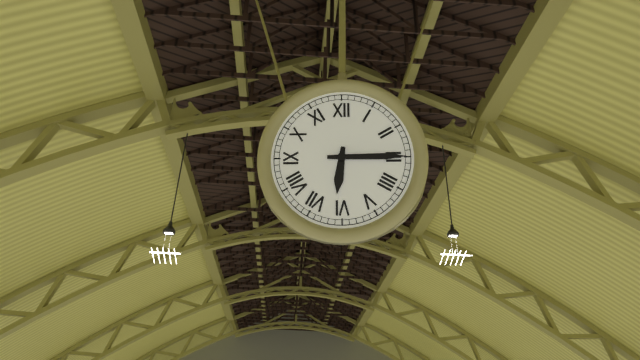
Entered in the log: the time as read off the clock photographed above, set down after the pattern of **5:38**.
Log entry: **6:15**
